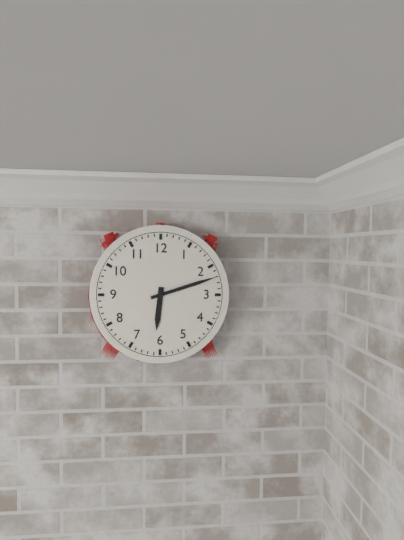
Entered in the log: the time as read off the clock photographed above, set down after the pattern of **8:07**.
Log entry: **6:12**
